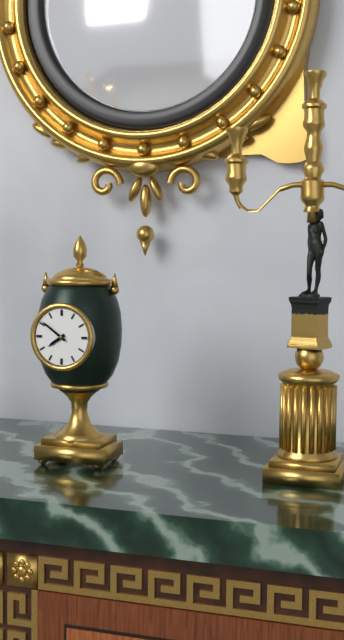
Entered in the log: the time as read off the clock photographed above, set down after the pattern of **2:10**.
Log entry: **7:51**
